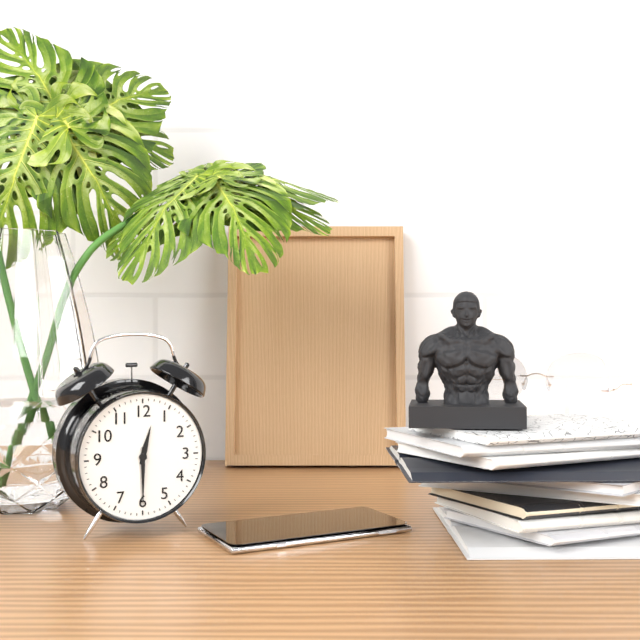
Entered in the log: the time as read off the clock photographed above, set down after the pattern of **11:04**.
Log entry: **12:30**
